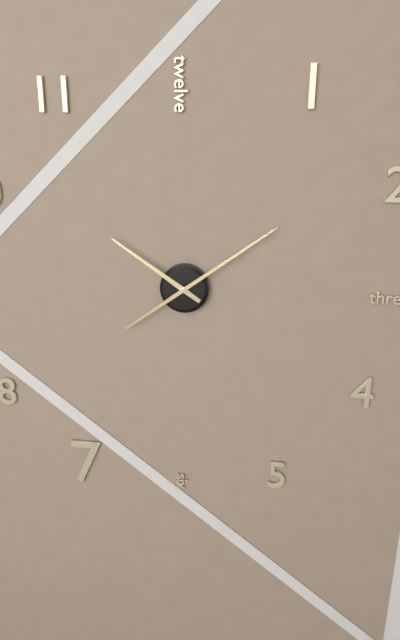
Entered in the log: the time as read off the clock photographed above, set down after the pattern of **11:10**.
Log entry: **10:09**
